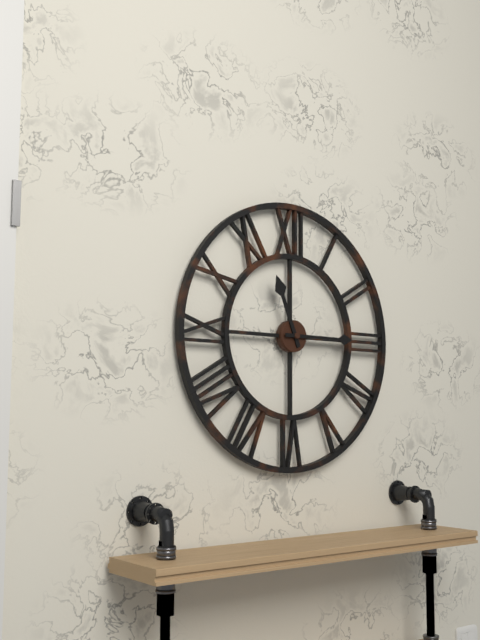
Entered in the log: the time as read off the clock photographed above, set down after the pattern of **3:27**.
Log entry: **11:15**
